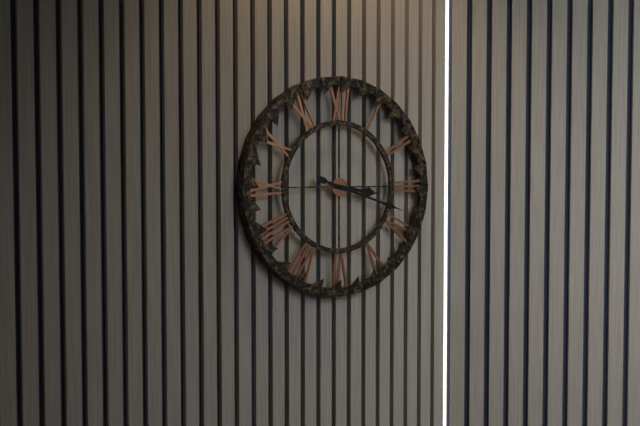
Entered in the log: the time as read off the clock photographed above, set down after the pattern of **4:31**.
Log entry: **3:18**
